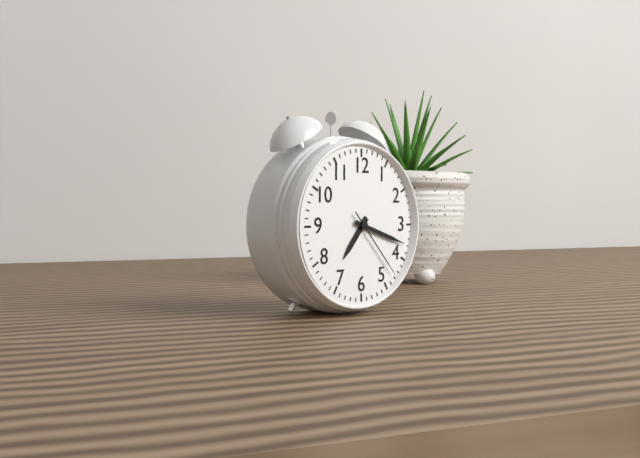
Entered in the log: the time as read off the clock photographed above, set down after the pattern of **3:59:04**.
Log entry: **7:18:23**
